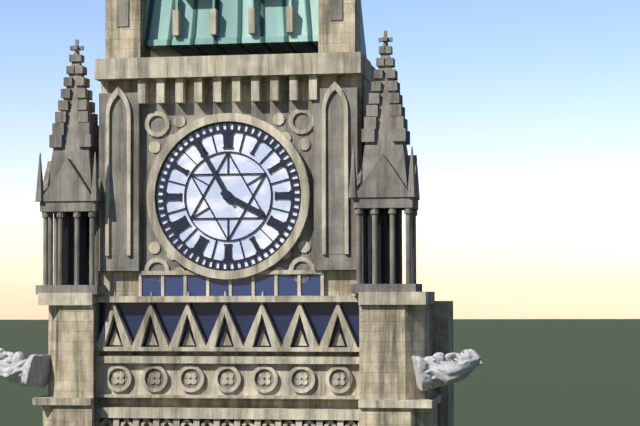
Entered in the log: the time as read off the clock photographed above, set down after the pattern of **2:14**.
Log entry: **3:55**
